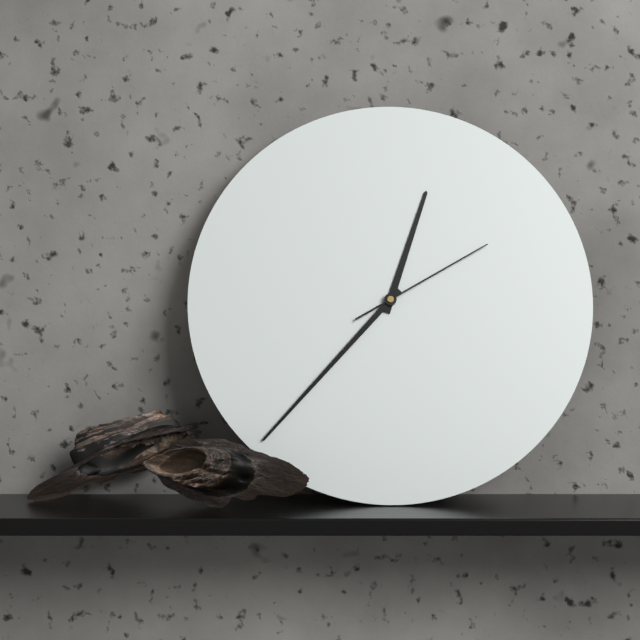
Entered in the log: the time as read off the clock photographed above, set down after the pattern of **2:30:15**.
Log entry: **12:37:10**
